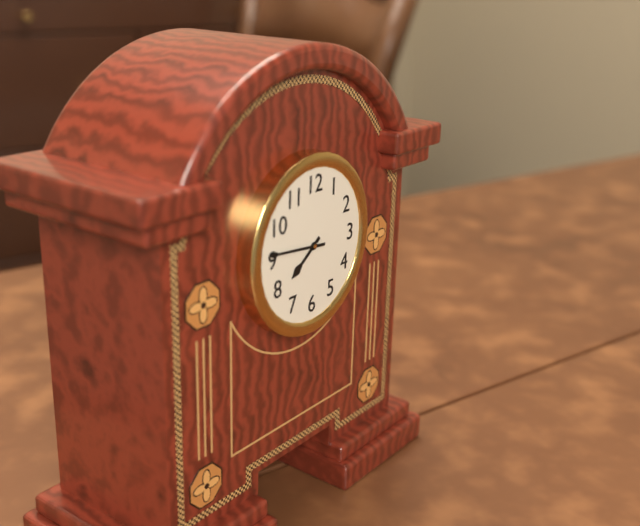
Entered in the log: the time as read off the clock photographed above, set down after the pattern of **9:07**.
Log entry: **7:46**
